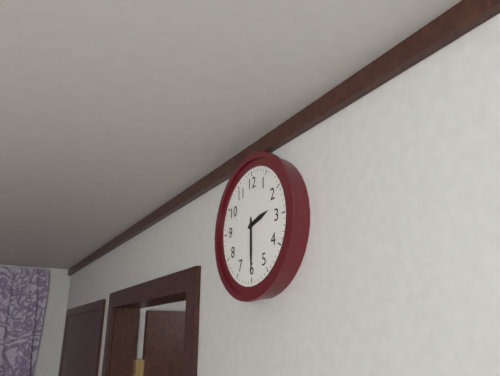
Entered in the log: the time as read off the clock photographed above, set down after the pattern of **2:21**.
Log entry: **2:30**
